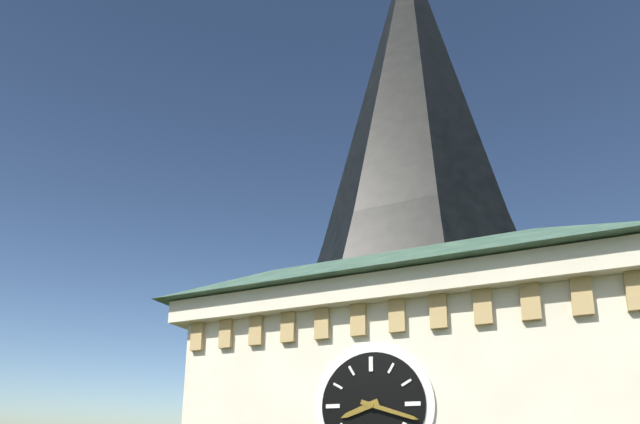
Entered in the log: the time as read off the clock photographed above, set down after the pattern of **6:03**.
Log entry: **8:18**
